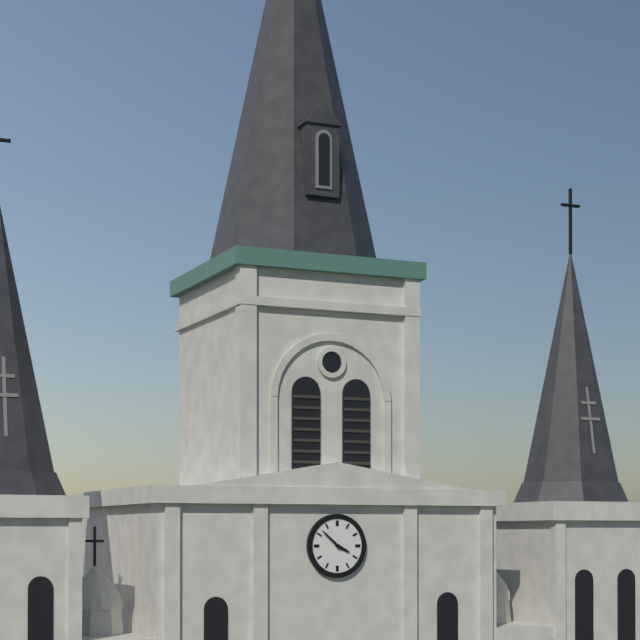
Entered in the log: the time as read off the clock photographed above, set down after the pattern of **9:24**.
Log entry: **3:52**
